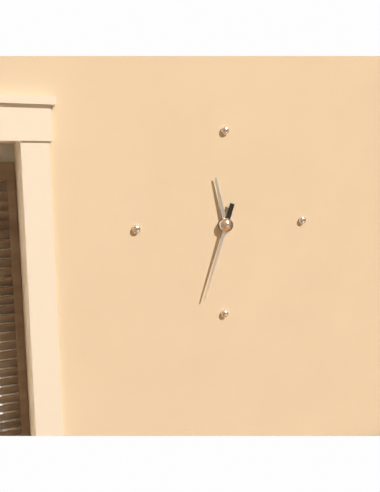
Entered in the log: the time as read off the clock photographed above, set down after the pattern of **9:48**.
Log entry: **11:33**
